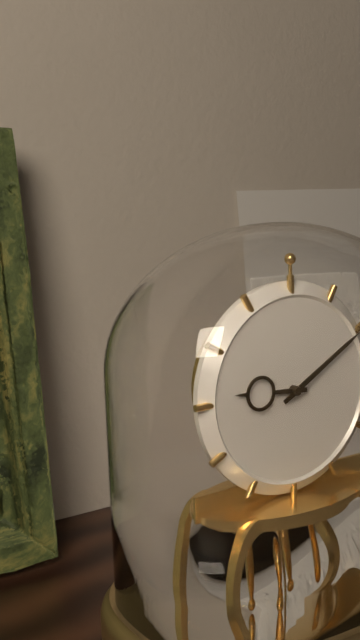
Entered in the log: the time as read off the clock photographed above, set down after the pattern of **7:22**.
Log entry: **9:10**
